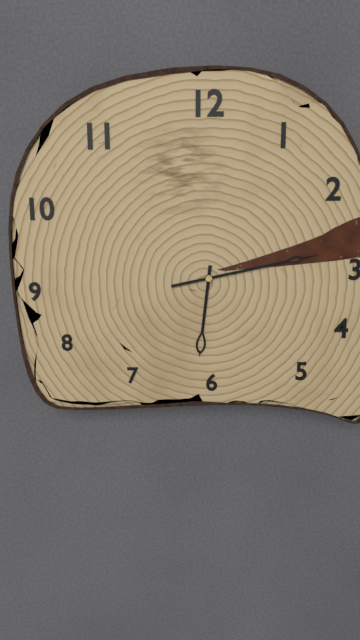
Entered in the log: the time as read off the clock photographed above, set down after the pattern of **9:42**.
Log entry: **6:13**
